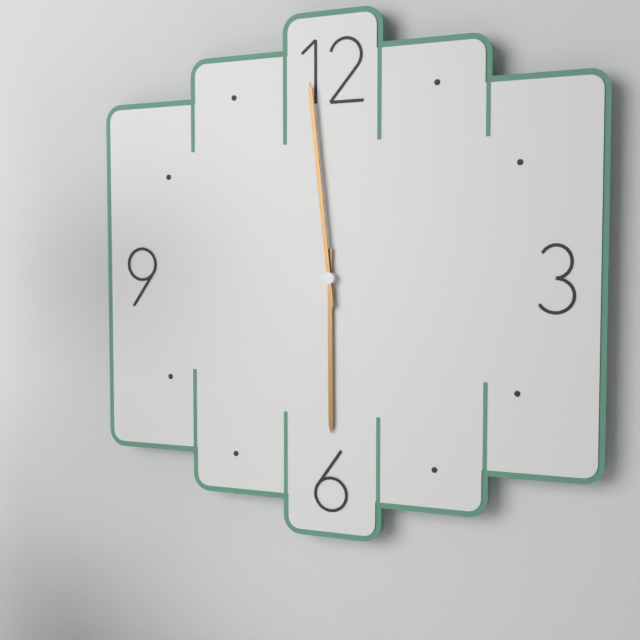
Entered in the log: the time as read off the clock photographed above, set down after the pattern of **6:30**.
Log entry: **5:59**
